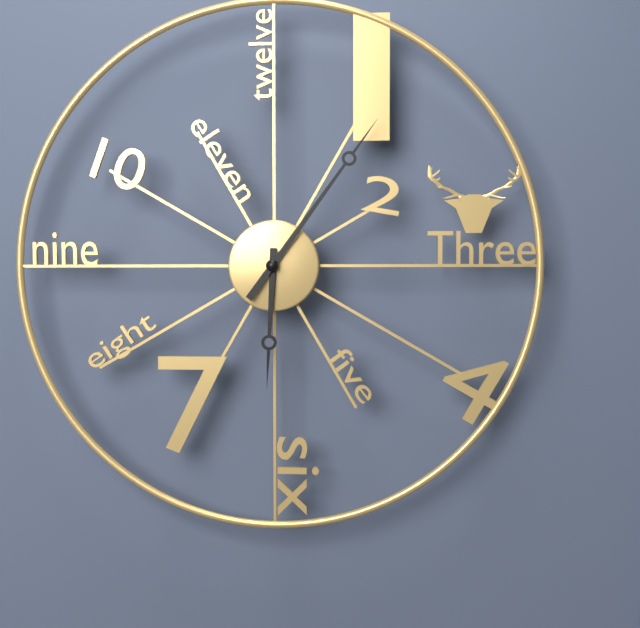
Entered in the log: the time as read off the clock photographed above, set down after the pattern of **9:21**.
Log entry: **6:06**
